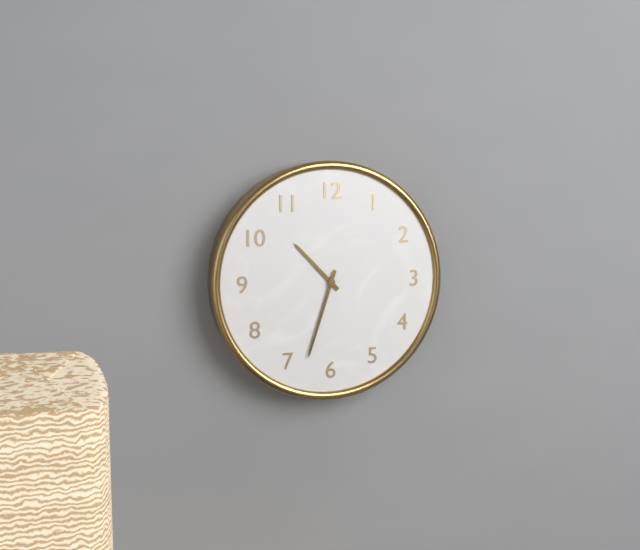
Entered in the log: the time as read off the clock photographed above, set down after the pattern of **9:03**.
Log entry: **10:33**
